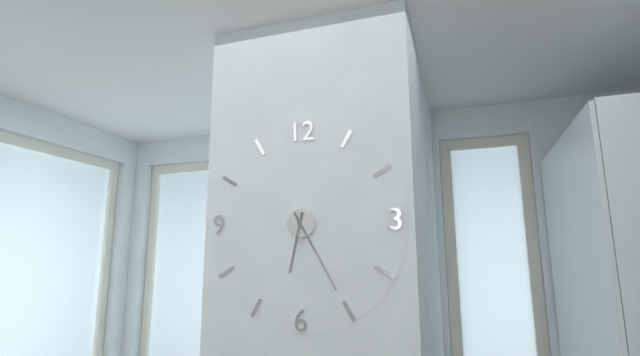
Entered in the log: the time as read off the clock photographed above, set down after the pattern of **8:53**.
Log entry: **6:25**
